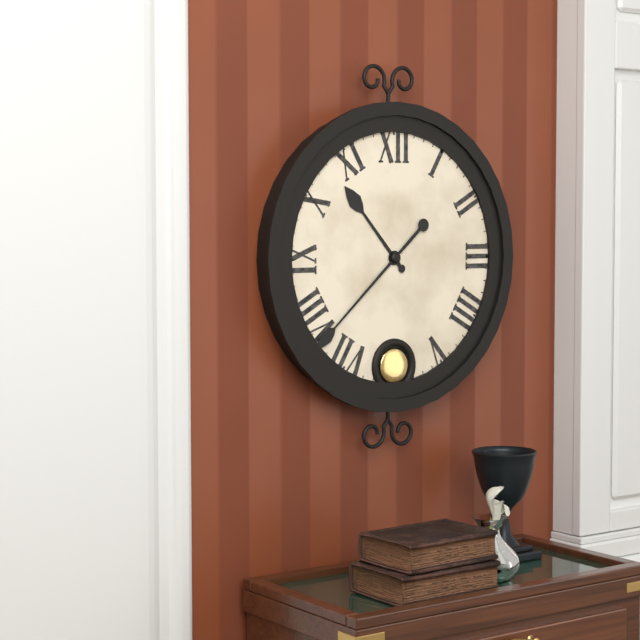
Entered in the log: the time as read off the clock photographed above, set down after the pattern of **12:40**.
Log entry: **10:38**
